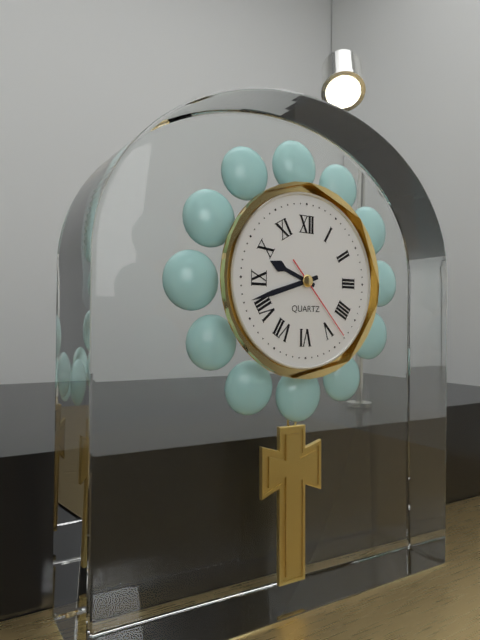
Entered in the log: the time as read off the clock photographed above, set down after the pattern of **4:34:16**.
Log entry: **9:42:23**
